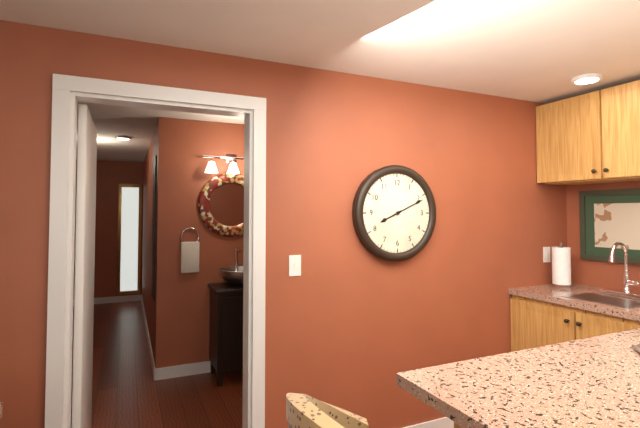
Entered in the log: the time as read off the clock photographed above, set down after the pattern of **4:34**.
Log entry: **8:11**
